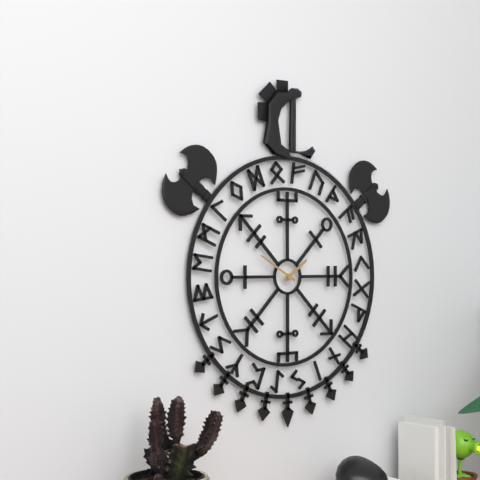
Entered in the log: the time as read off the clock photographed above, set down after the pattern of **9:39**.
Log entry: **1:50**
